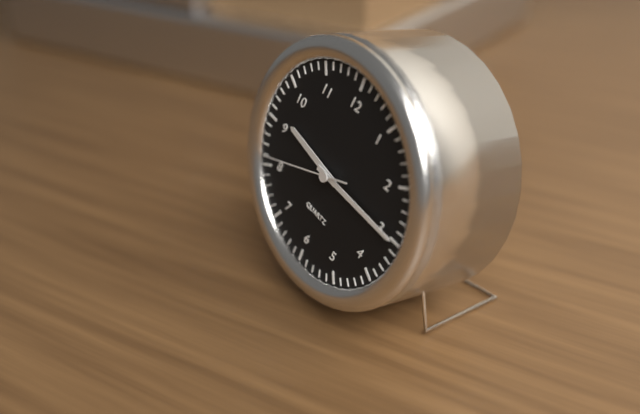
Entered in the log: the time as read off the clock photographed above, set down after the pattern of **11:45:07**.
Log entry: **9:15:41**
